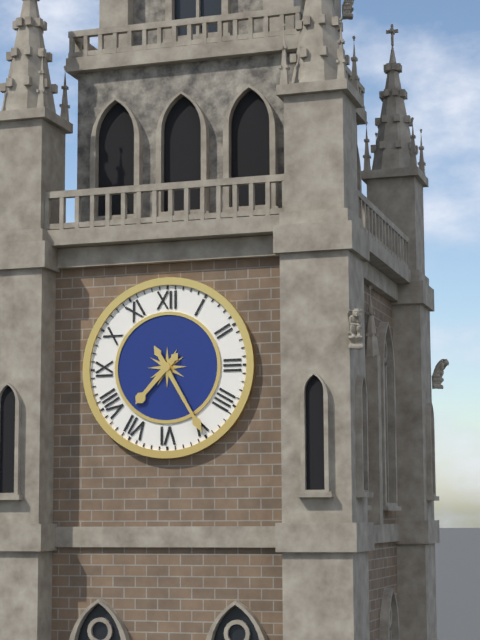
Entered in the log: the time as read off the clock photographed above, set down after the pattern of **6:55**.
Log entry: **7:25**
